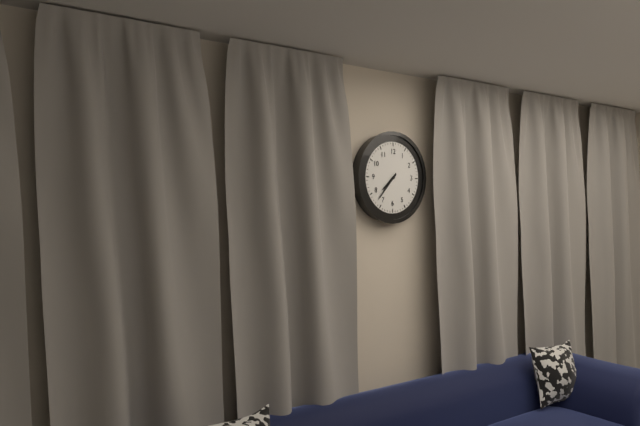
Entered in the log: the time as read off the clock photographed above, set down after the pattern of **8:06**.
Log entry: **7:37**
